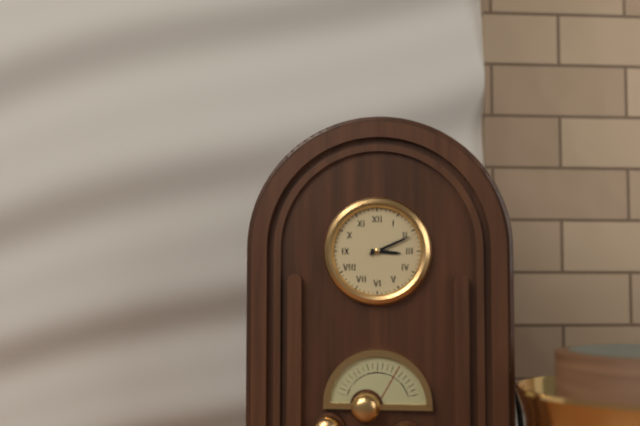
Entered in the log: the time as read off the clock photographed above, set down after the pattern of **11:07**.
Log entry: **3:11**
